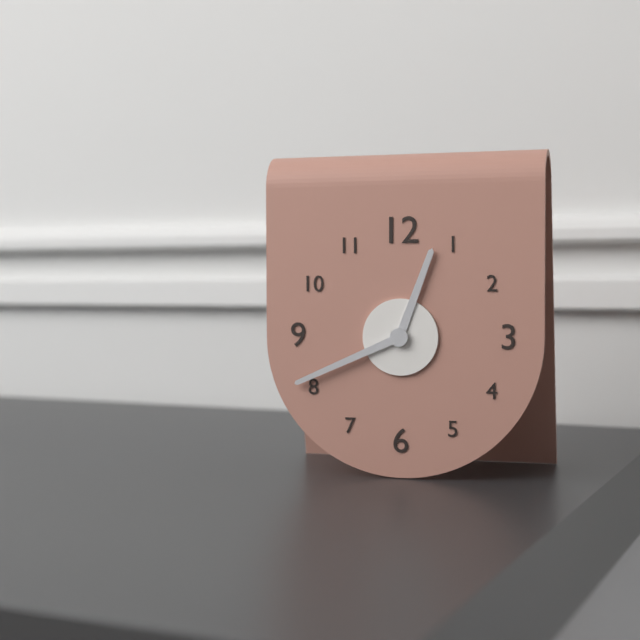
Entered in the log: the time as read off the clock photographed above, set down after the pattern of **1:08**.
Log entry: **12:41**
